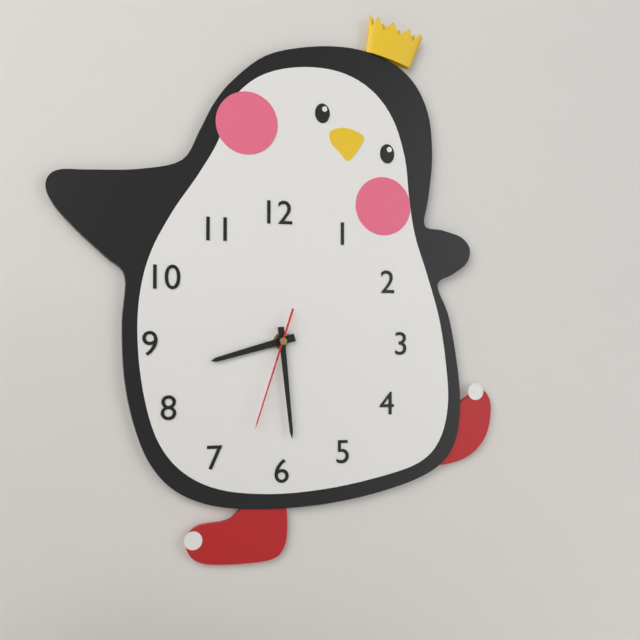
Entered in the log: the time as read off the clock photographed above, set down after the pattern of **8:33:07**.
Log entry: **8:29:33**
